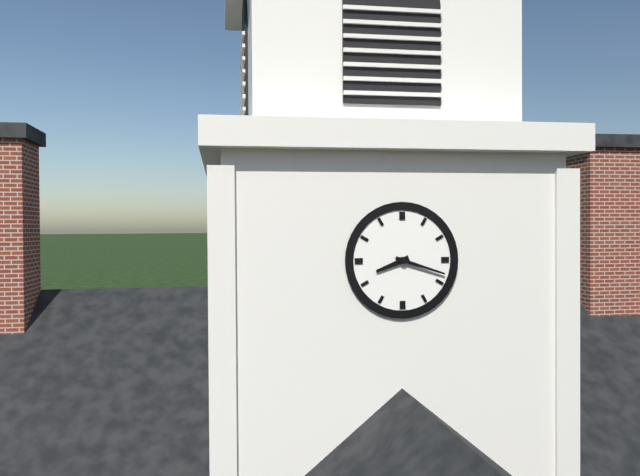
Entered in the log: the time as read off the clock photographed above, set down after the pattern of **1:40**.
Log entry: **8:18**
